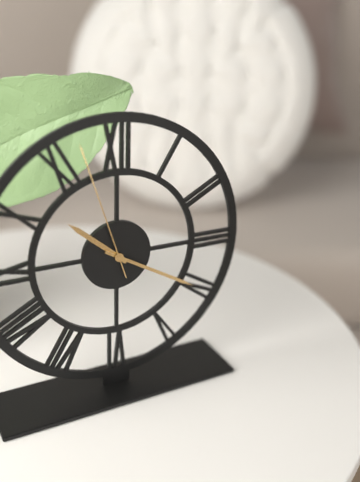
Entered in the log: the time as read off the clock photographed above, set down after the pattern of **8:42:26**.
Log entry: **10:20:57**
